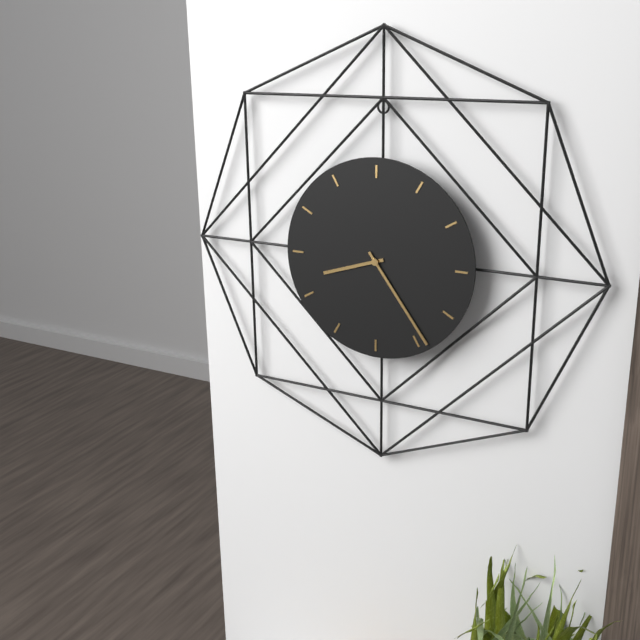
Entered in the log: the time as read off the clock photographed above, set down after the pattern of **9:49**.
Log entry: **8:24**
